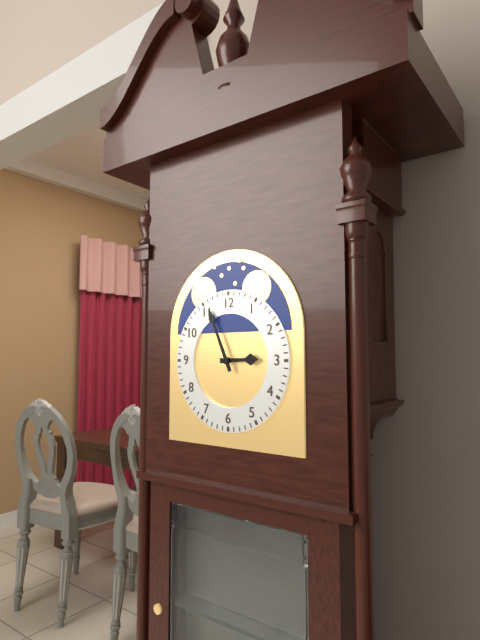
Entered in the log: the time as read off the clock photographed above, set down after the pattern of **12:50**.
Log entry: **2:56**
